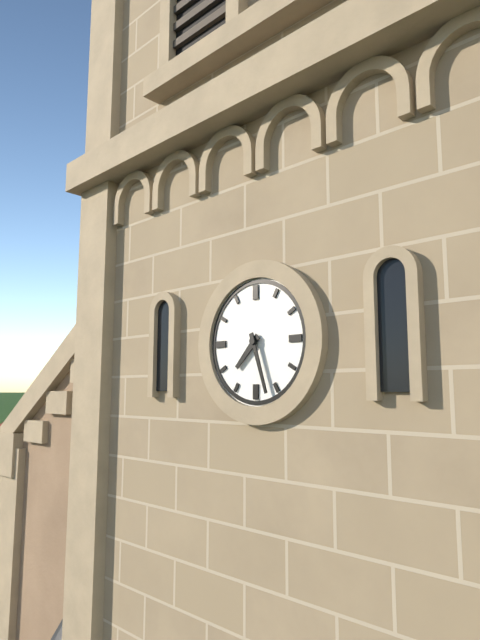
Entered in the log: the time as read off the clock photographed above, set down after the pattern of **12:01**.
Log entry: **7:27**
